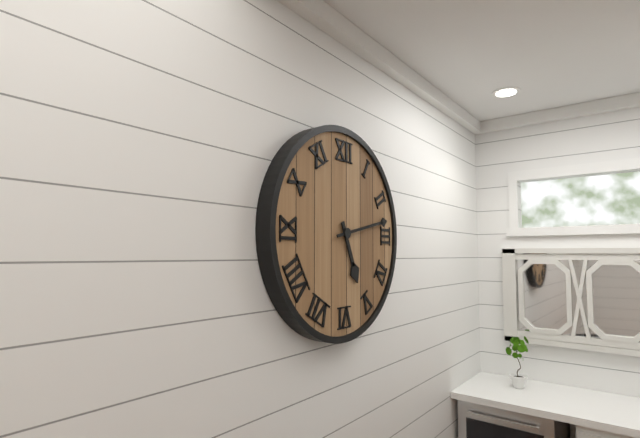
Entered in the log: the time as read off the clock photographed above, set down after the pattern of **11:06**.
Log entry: **5:13**
